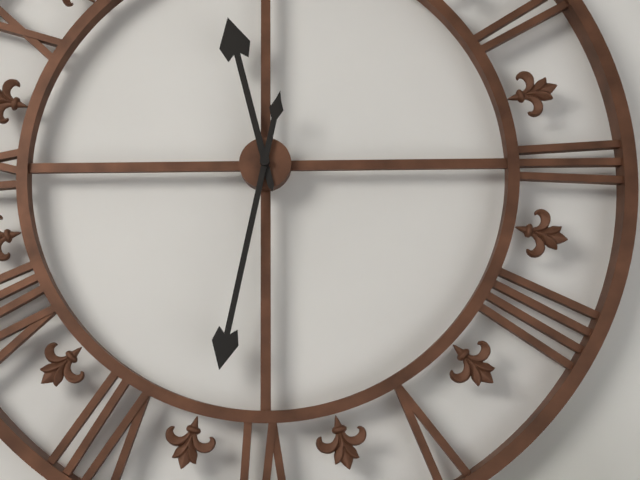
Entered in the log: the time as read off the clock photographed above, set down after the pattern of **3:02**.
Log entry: **11:32**
